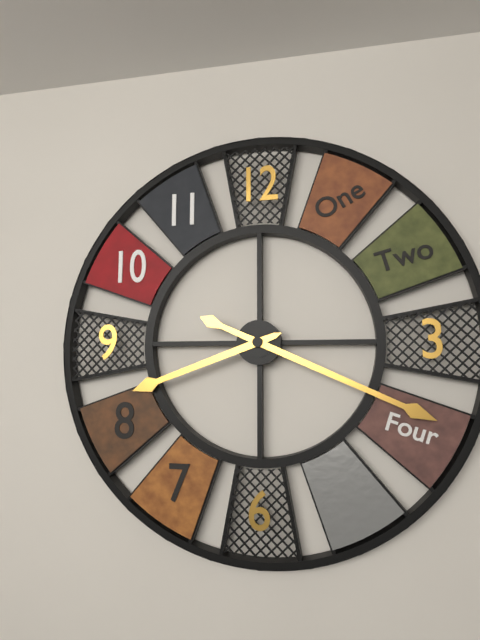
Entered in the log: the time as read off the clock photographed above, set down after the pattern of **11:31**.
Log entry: **8:19**
